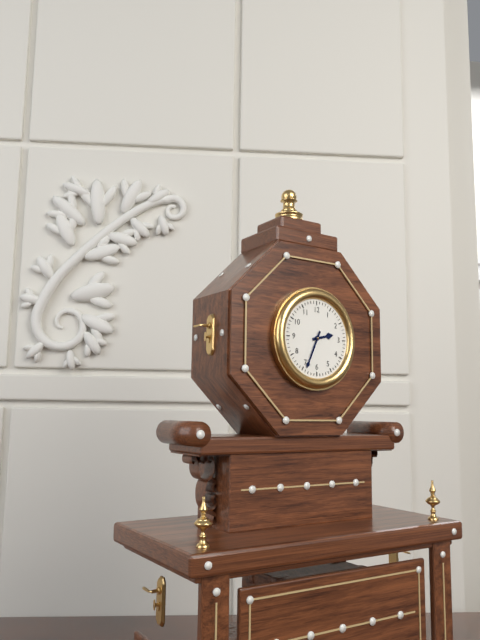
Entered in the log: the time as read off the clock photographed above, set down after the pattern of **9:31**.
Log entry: **2:34**
